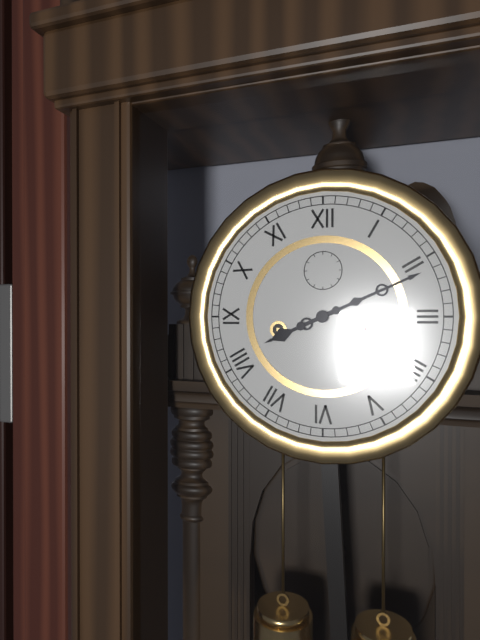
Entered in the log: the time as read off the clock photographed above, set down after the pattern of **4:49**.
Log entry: **8:11**
